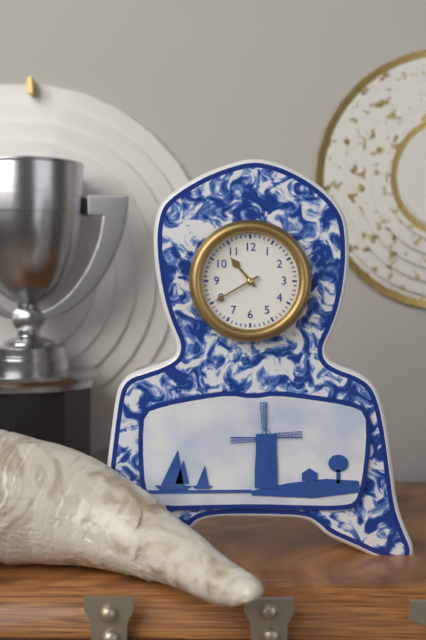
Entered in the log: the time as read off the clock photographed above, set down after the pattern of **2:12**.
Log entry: **10:40**
